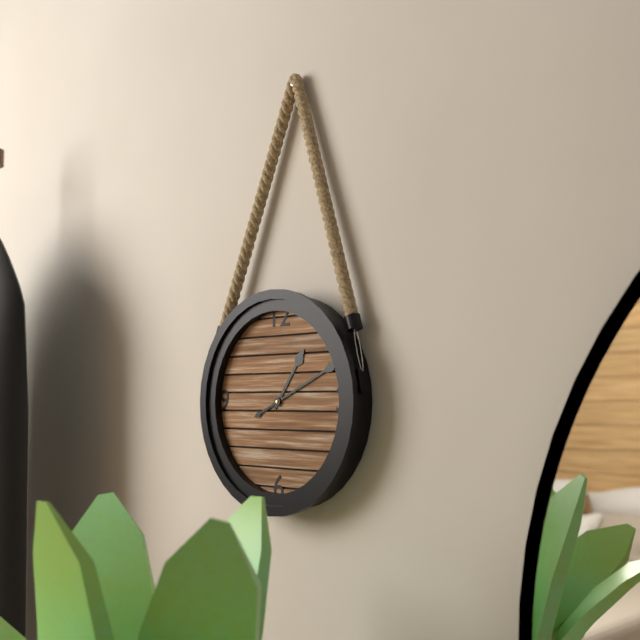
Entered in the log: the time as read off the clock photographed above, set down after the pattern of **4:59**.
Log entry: **1:11**
